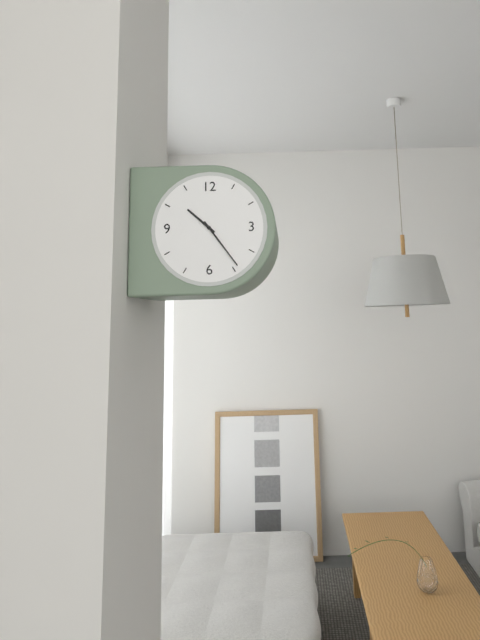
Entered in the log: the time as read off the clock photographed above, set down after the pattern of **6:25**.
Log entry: **10:24**
